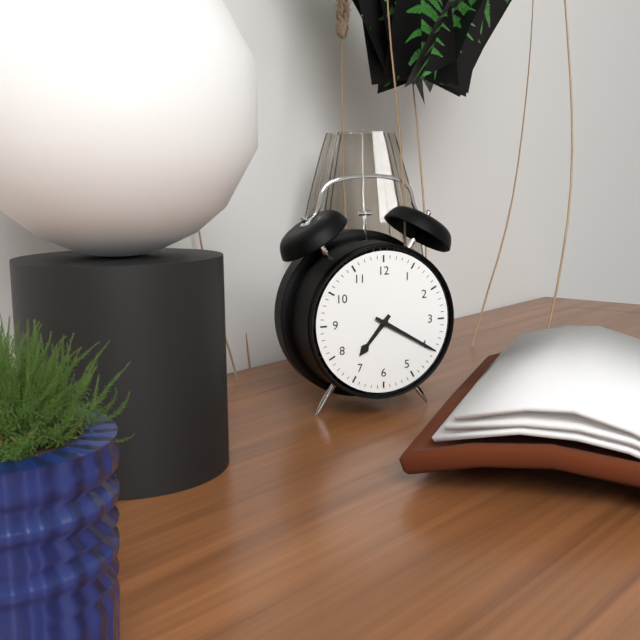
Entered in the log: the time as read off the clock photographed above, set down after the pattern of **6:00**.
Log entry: **7:20**
